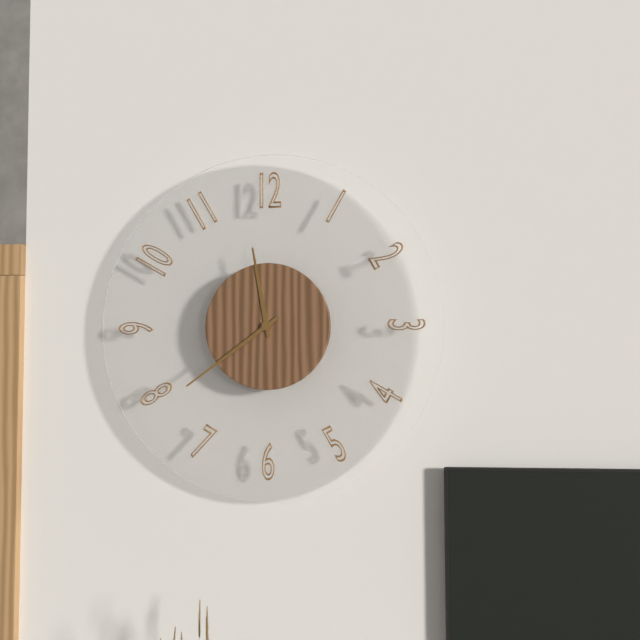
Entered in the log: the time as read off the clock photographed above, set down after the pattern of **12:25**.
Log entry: **11:39**
